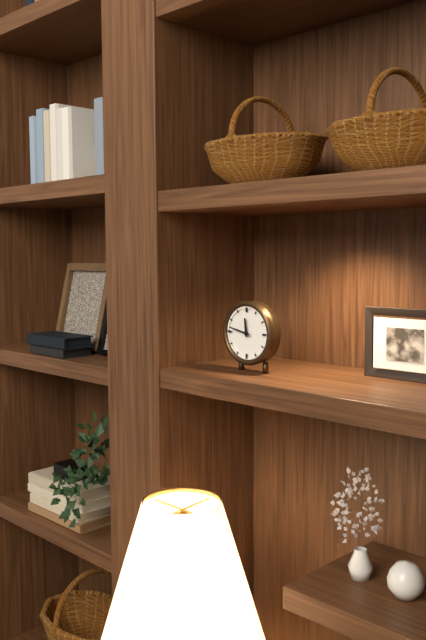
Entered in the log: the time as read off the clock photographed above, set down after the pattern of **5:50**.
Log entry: **11:47**
